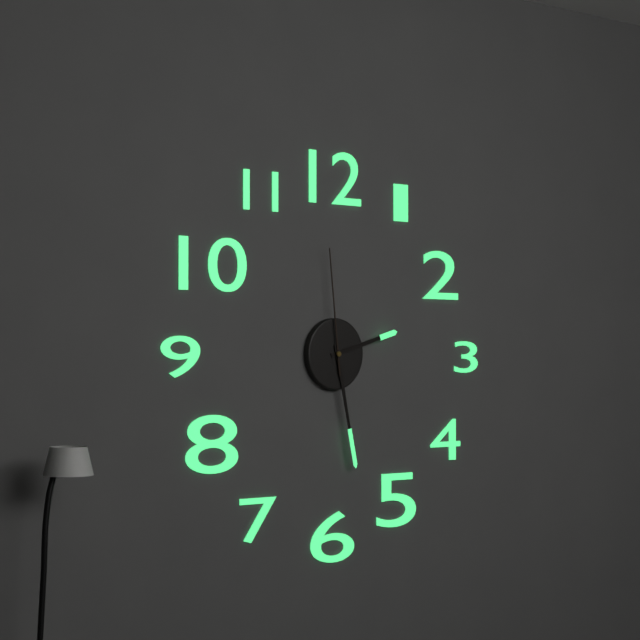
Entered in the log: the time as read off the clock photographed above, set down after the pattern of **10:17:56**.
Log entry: **2:28:59**
